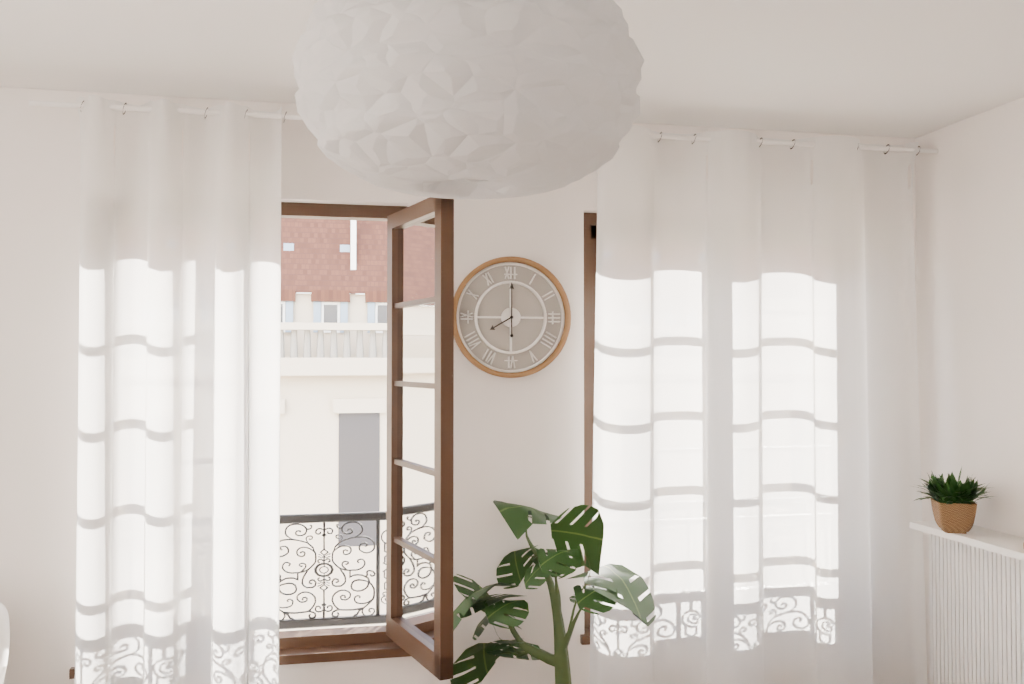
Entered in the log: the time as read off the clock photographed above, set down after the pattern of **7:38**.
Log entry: **8:00**
